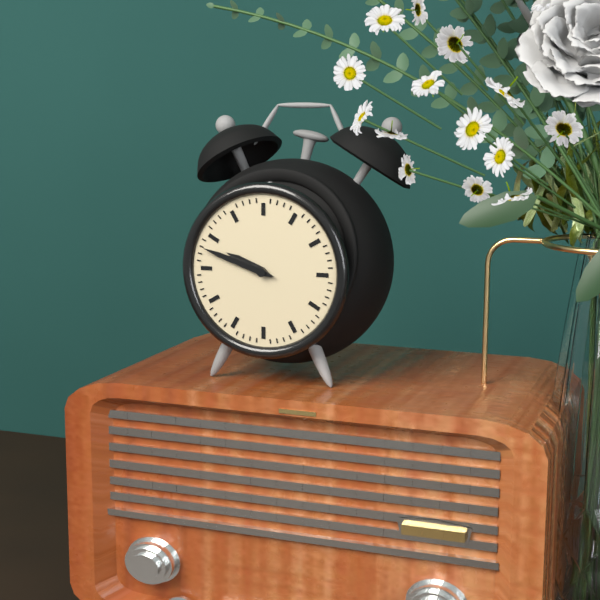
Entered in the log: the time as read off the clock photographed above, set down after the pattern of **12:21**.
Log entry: **9:48**
